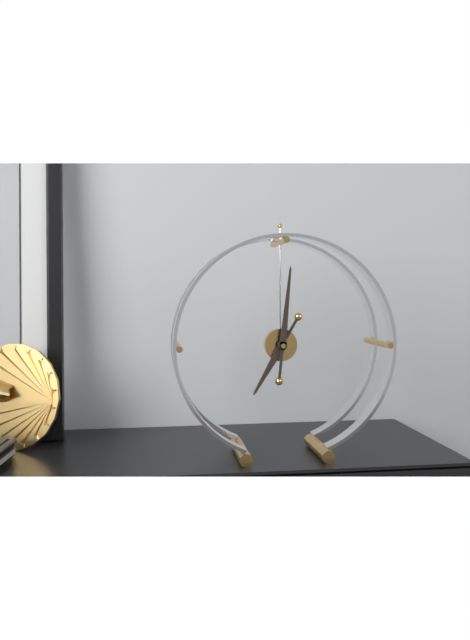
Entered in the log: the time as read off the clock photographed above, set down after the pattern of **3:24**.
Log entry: **7:01**
